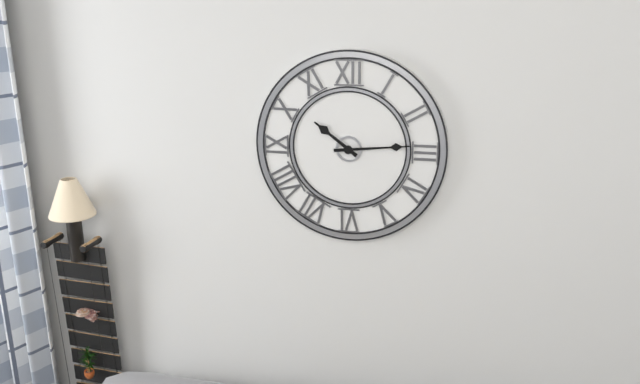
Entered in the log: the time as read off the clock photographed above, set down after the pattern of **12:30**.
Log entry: **10:14**
